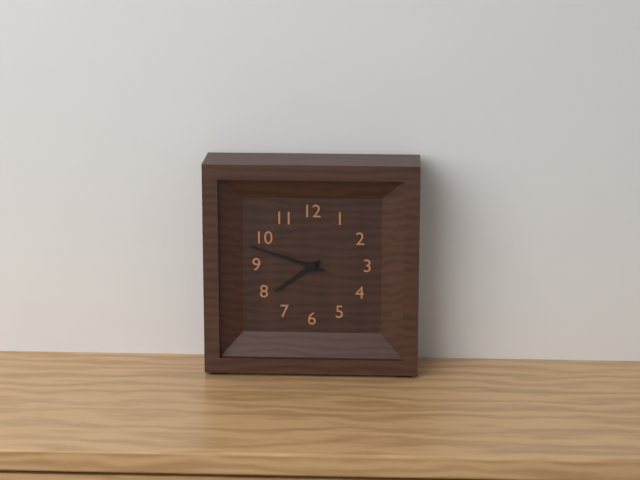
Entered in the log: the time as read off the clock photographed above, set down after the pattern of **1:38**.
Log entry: **7:48**
